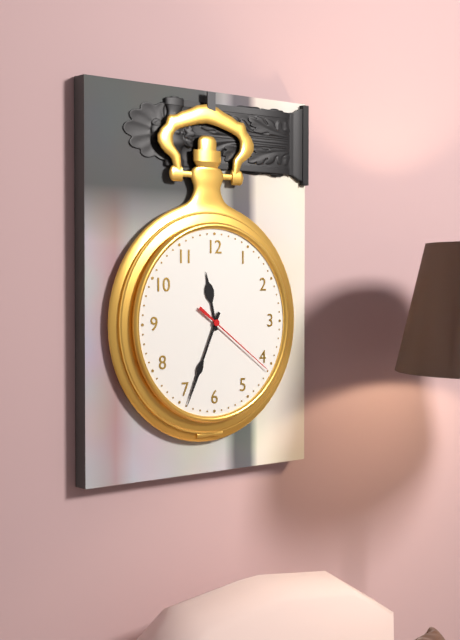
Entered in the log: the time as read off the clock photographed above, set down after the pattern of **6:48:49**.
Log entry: **11:34:21**
